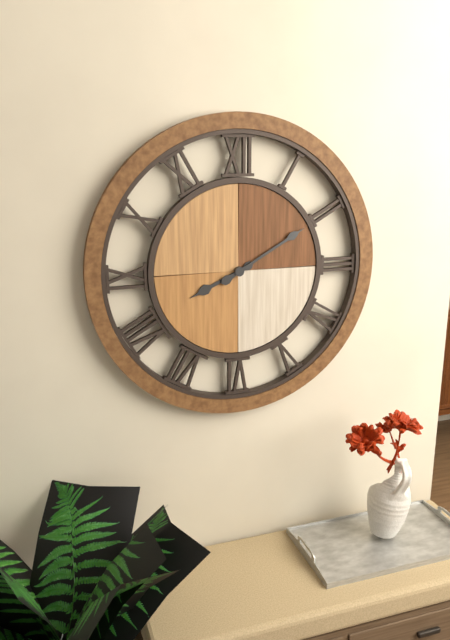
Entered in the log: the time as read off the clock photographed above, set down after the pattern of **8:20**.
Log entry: **8:10**
